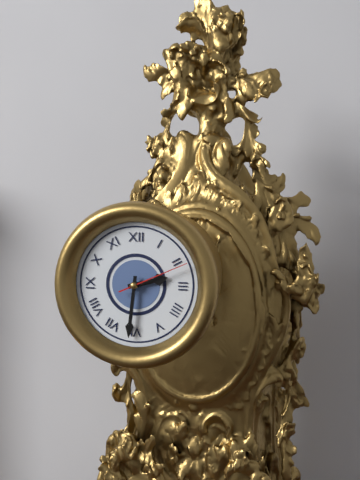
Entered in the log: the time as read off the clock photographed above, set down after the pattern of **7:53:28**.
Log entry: **2:31:11**
